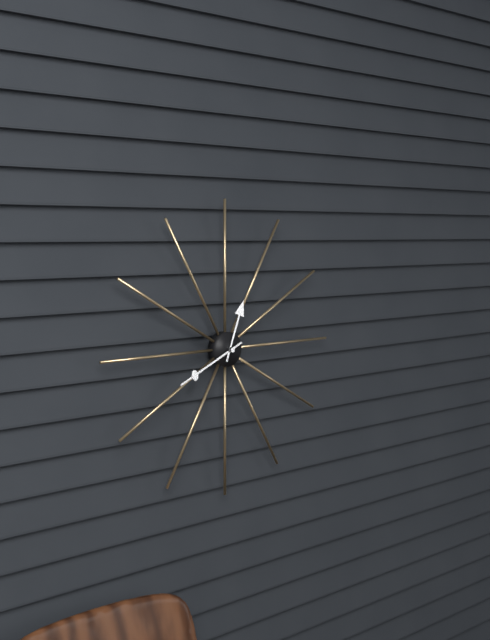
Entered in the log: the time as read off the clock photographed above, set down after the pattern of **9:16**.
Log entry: **12:41**
